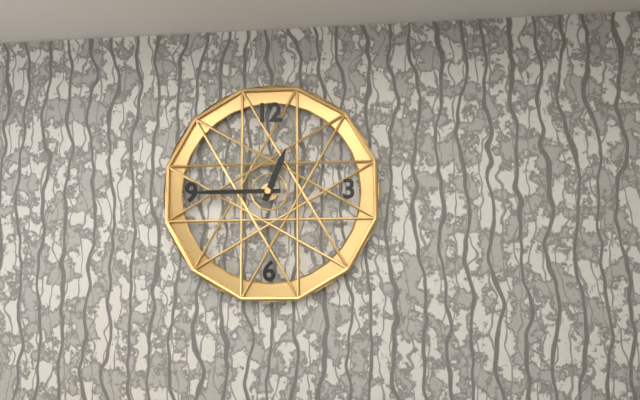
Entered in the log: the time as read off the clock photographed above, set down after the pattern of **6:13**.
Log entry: **12:45**
